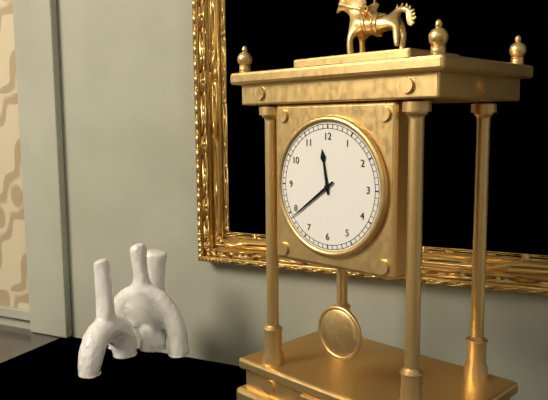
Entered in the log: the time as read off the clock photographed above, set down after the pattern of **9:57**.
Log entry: **11:39**
